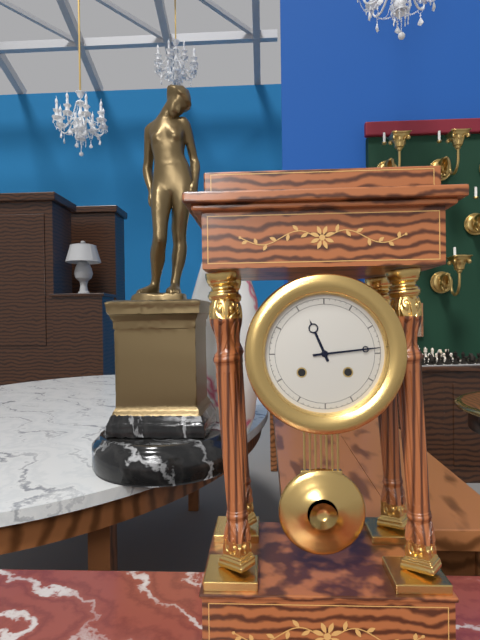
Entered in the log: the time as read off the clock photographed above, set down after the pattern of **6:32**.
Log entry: **11:14**
